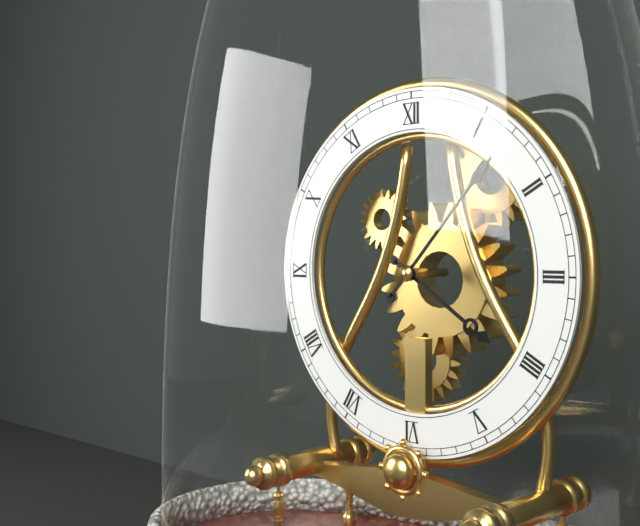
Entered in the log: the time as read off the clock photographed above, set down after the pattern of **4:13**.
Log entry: **4:07**
